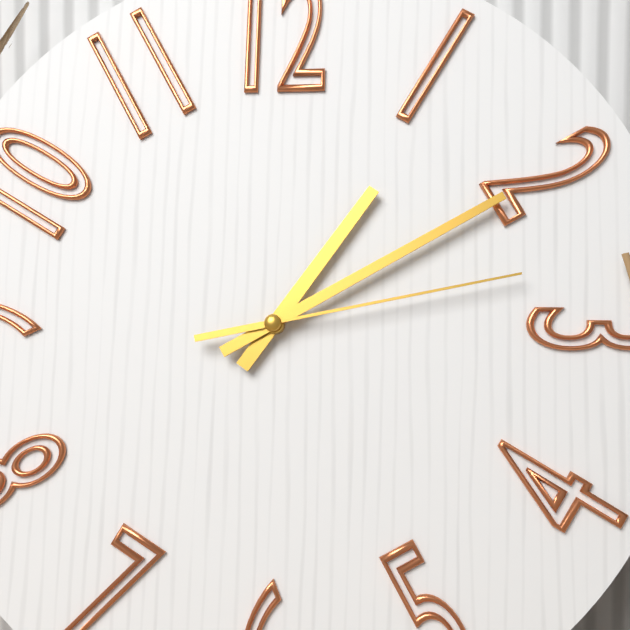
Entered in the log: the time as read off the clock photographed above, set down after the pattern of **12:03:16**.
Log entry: **1:10:13**
